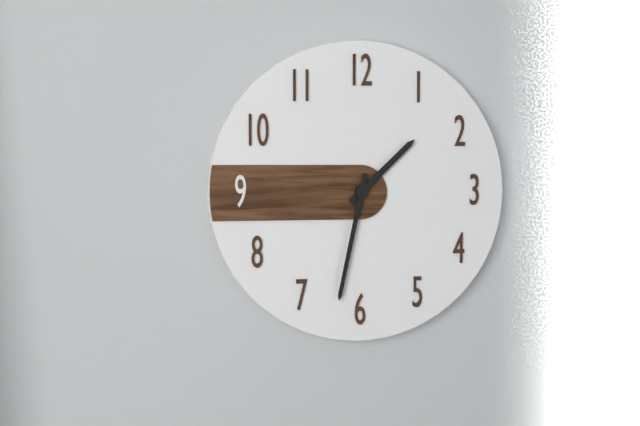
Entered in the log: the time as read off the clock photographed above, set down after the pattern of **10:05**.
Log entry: **1:32**
